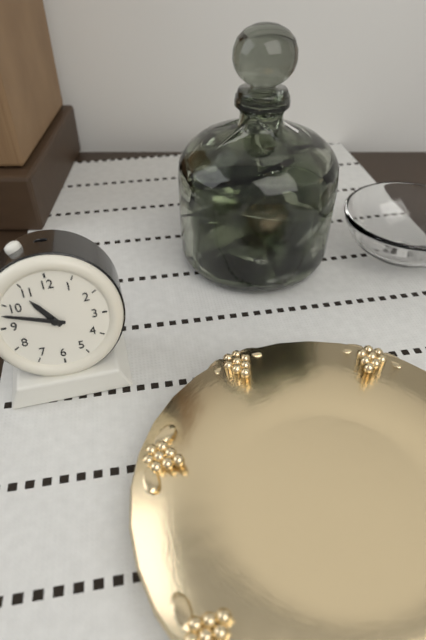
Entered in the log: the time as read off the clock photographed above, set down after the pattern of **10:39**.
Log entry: **10:48**
